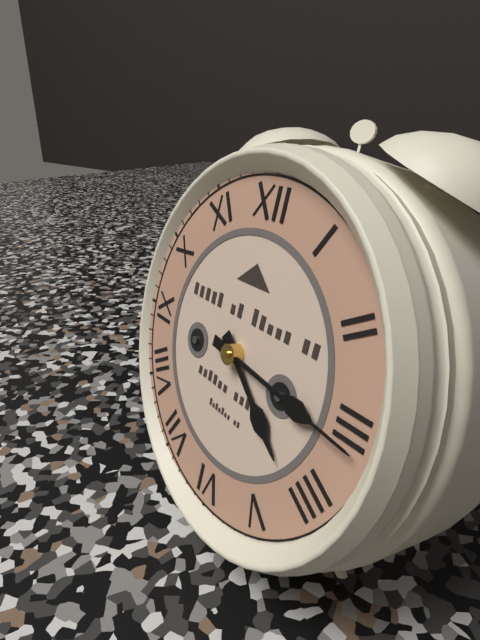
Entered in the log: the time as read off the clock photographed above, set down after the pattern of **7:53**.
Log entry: **4:16**
